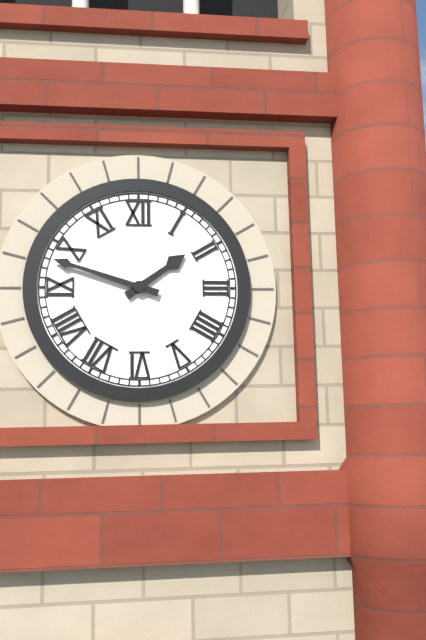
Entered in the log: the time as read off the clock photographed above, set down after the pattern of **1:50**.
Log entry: **1:48**
